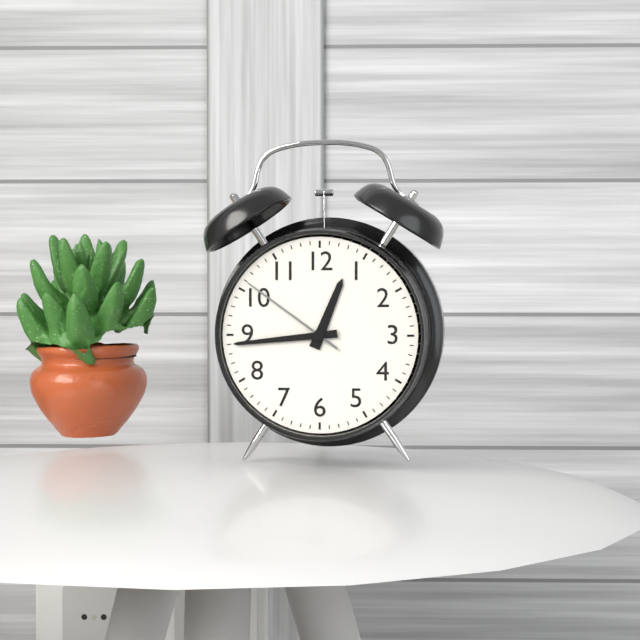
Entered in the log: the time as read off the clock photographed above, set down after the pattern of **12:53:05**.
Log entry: **12:44:51**
